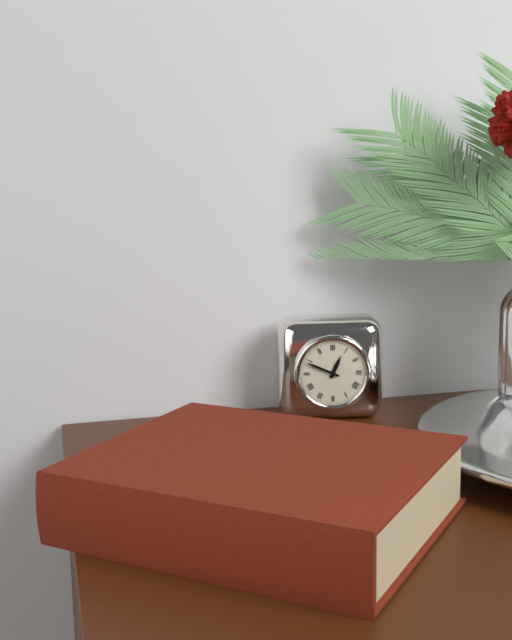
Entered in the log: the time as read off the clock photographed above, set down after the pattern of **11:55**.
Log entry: **12:49**
